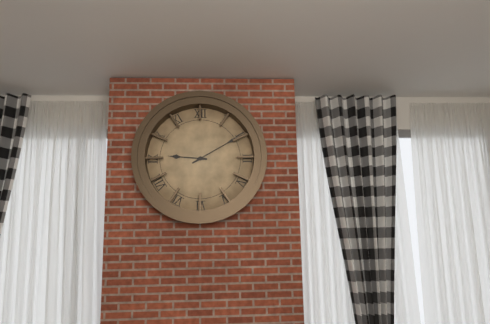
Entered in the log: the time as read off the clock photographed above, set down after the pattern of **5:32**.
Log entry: **9:10**
